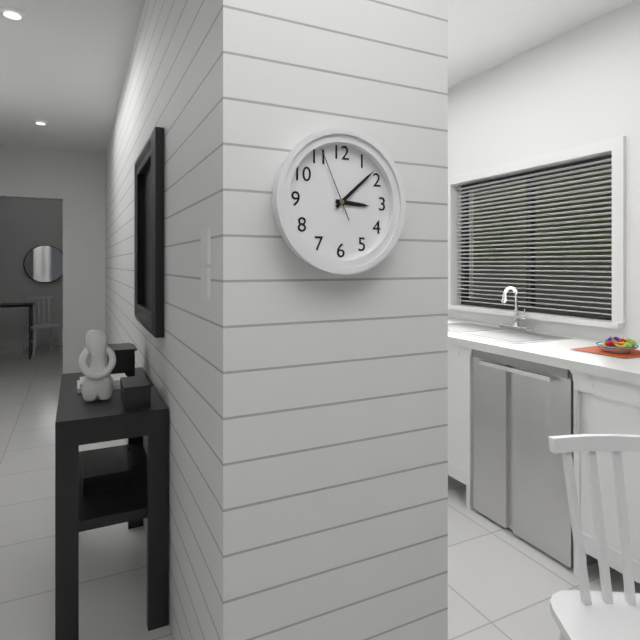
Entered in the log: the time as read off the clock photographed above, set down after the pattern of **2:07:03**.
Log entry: **3:08:56**
